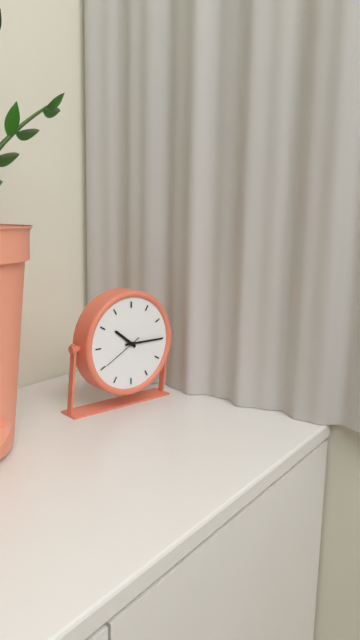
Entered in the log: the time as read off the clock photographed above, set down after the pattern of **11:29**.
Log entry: **10:15**
